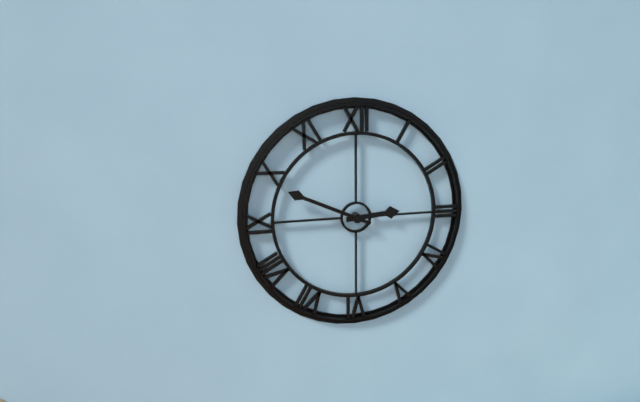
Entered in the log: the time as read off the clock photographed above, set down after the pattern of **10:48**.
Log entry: **2:49**
